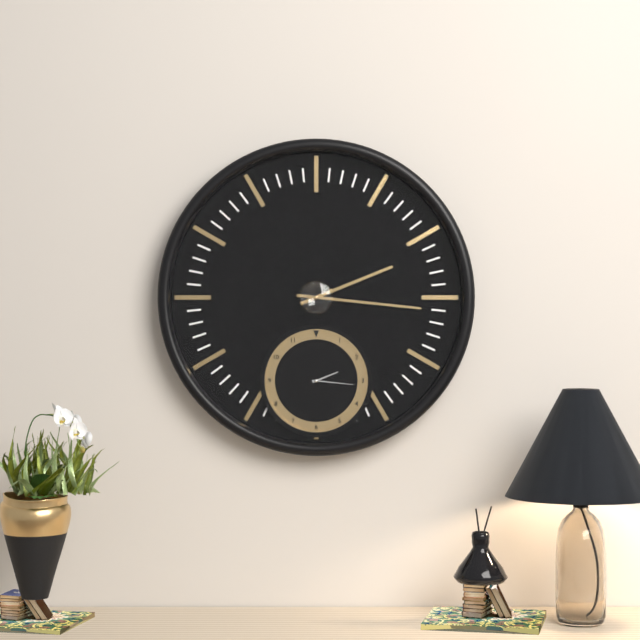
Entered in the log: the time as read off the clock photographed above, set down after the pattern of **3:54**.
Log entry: **2:16**
